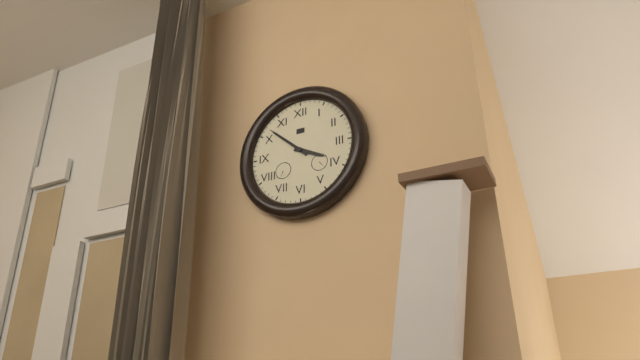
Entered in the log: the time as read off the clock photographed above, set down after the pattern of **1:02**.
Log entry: **3:52**
